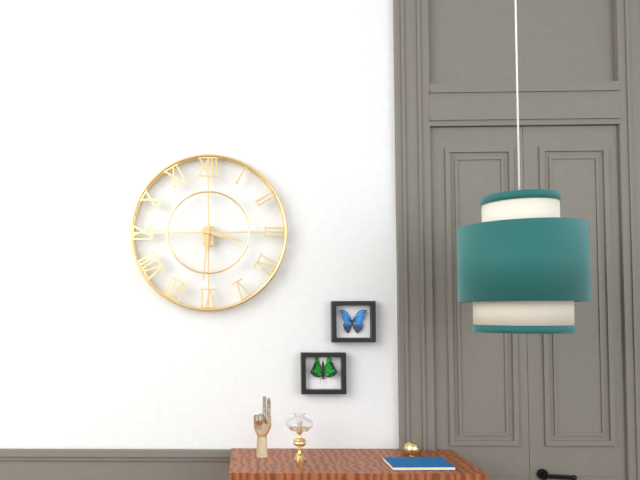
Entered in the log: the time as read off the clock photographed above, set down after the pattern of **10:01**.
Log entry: **3:31**
